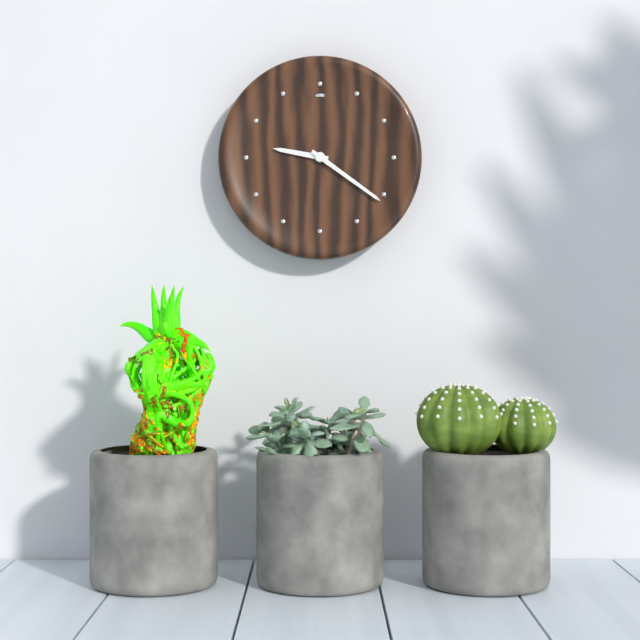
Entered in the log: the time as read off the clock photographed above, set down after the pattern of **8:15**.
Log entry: **9:21**
